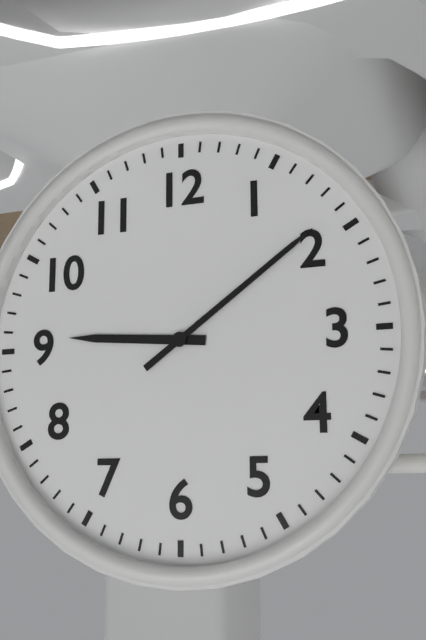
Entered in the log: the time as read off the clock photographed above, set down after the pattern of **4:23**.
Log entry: **9:09**
